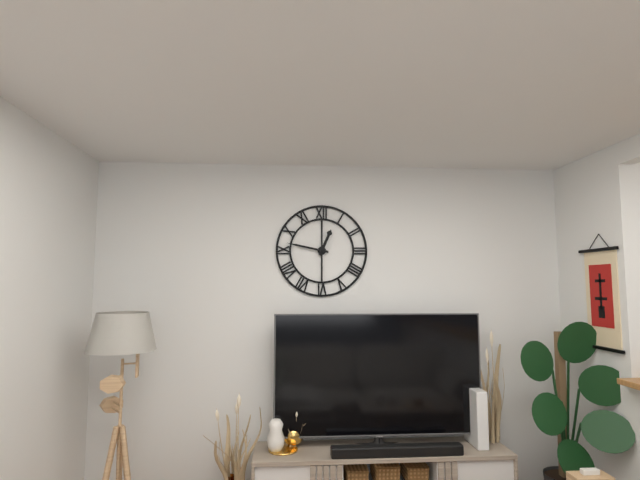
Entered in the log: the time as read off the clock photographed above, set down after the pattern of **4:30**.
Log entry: **12:47**
